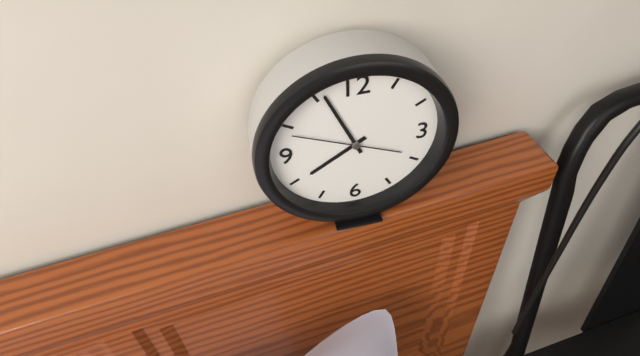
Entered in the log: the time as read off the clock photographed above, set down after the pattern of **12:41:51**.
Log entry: **7:56:49**
